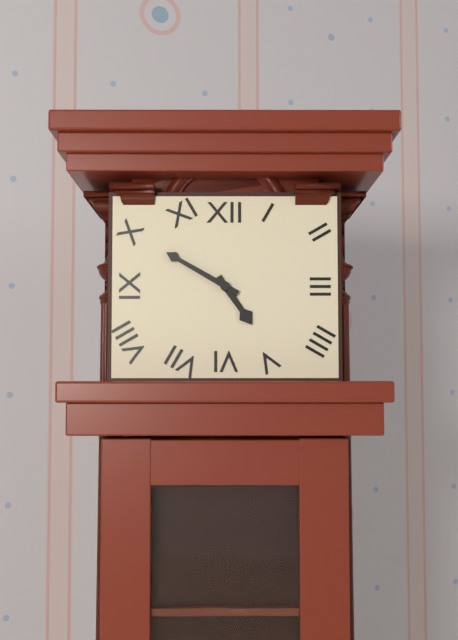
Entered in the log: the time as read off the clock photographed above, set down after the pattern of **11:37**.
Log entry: **4:50**
